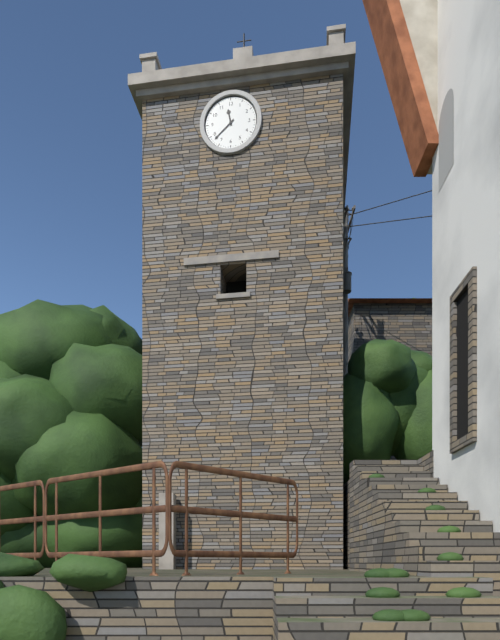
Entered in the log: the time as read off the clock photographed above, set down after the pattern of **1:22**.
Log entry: **11:38**
